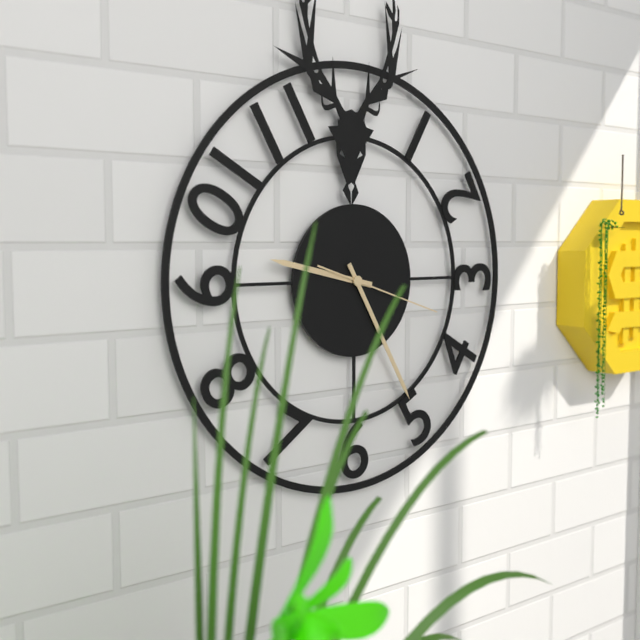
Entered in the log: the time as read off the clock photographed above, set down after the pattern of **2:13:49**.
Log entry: **9:25:18**
